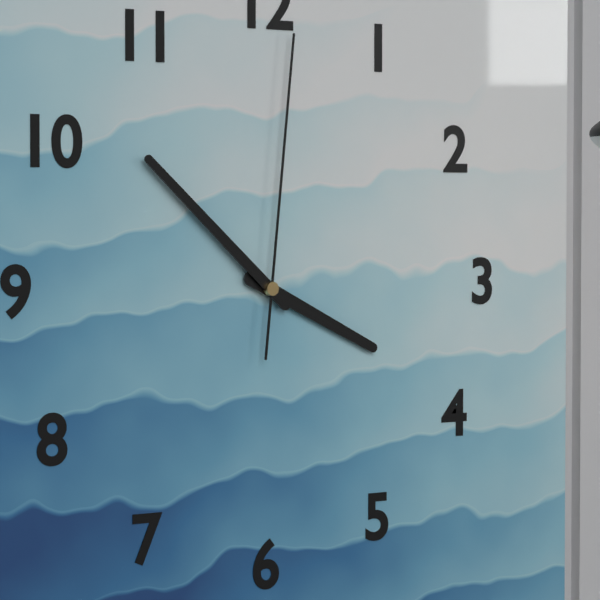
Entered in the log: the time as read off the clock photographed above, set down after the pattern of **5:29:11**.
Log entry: **3:52:01**
